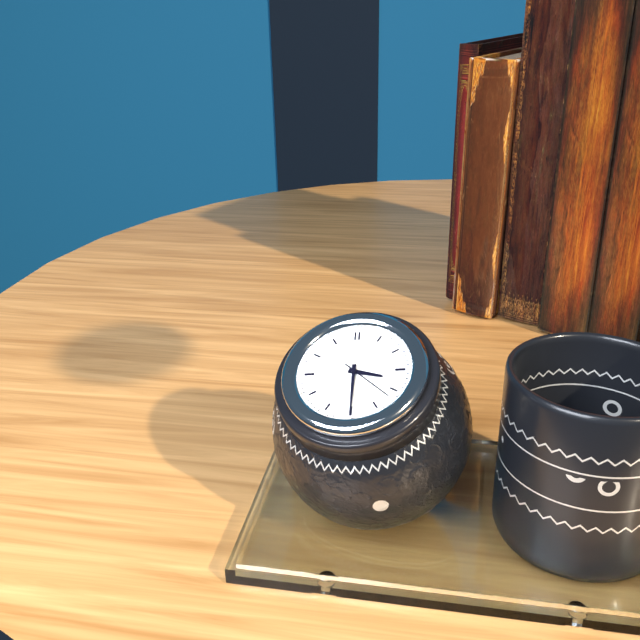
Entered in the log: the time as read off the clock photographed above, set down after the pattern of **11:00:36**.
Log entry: **3:30:22**
